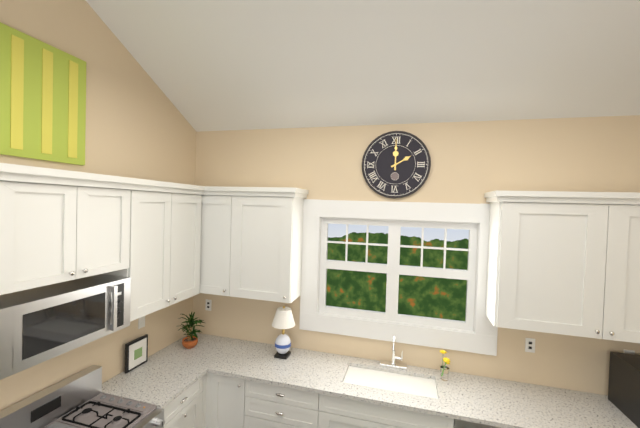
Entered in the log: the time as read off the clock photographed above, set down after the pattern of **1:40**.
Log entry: **2:00**
